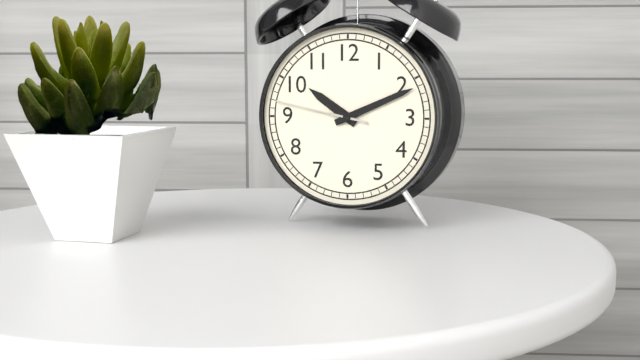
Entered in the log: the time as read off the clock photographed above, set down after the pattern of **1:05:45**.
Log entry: **10:11:47**
